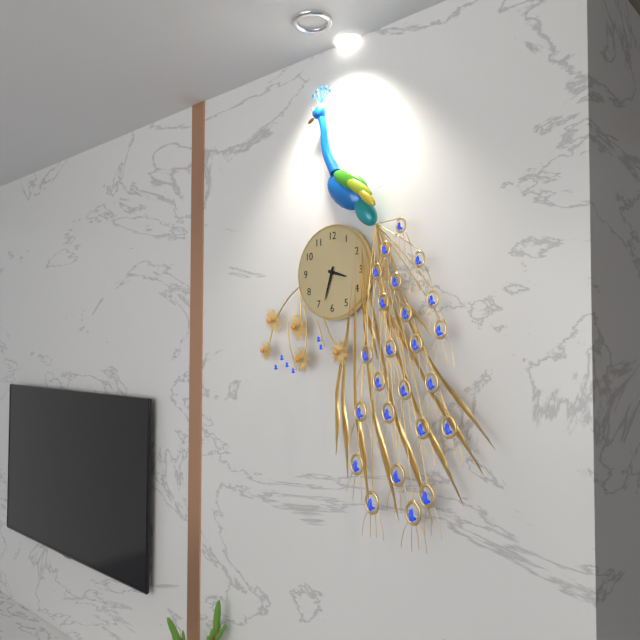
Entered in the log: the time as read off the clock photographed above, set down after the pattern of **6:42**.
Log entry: **3:33**
